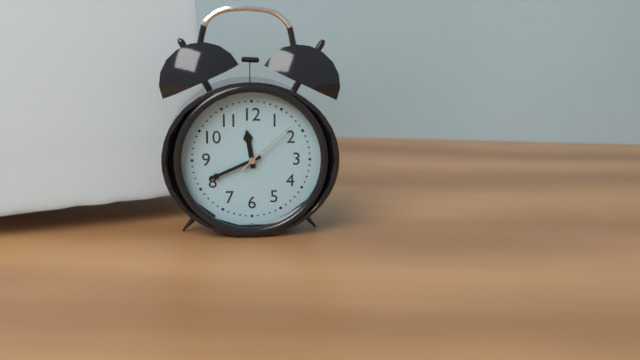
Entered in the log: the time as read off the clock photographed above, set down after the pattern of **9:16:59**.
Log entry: **11:41:08**
